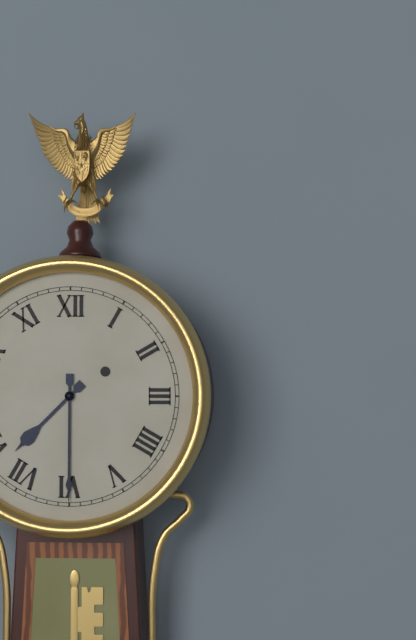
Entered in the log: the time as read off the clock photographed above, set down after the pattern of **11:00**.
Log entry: **7:30**
